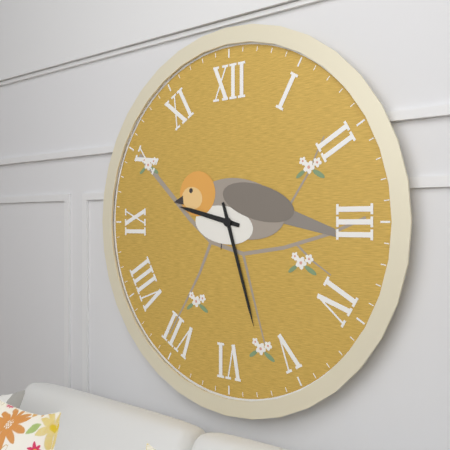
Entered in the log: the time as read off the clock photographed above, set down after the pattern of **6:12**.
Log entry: **9:27**
